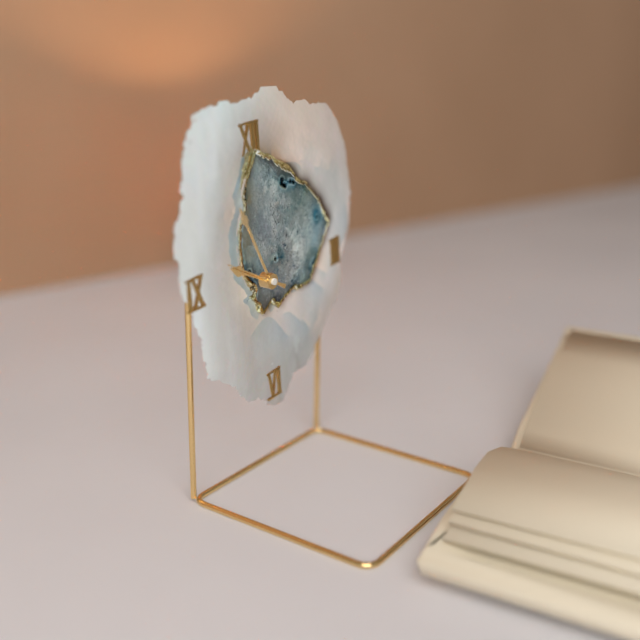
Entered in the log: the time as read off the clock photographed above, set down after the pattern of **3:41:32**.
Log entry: **9:56:50**
